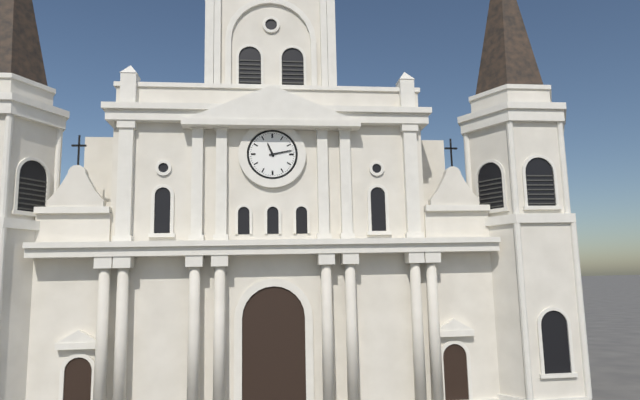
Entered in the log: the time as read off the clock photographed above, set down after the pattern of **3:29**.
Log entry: **11:13**
